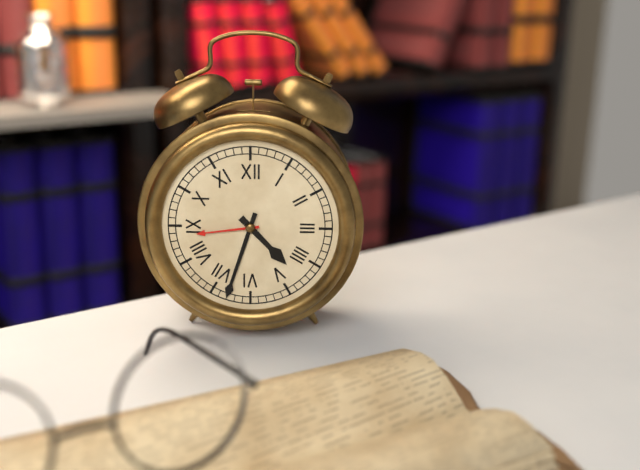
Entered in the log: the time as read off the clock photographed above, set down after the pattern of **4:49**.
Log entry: **4:33**
